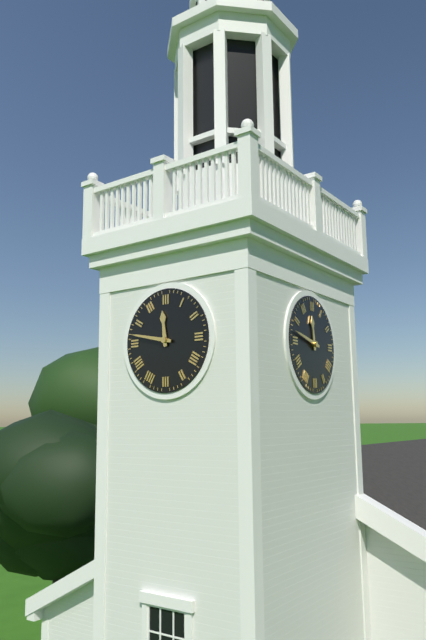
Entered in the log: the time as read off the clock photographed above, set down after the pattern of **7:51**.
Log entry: **11:47**
